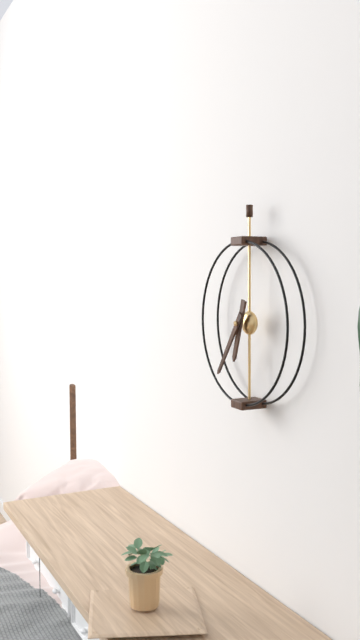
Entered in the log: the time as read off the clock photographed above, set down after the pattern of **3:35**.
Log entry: **6:36**
